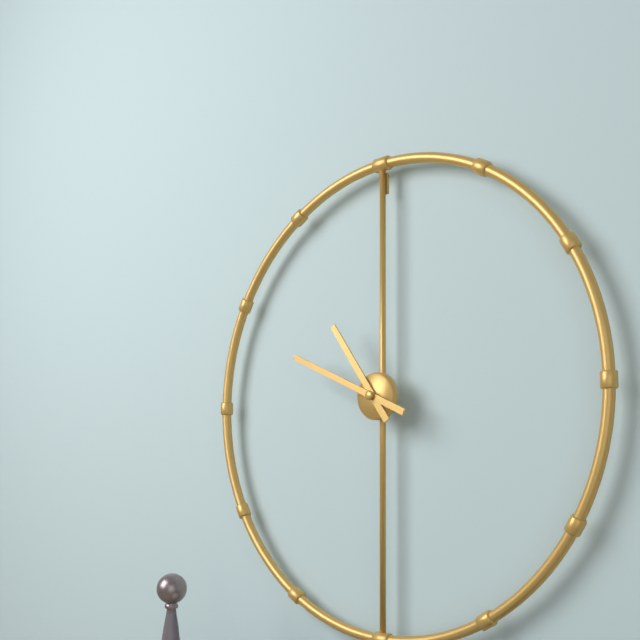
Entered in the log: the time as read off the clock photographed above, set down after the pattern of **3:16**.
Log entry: **10:49**
